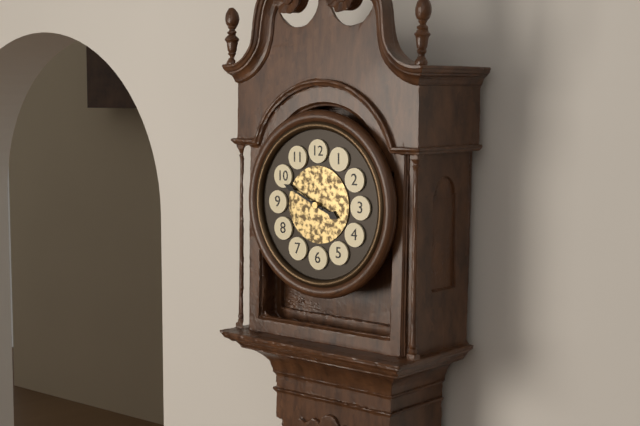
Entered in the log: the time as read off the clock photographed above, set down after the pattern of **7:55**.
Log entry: **3:49**
